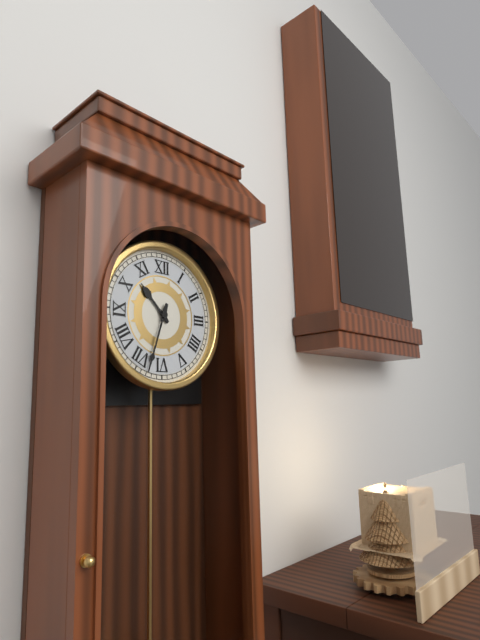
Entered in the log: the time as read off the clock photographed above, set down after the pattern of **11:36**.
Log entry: **10:33**
